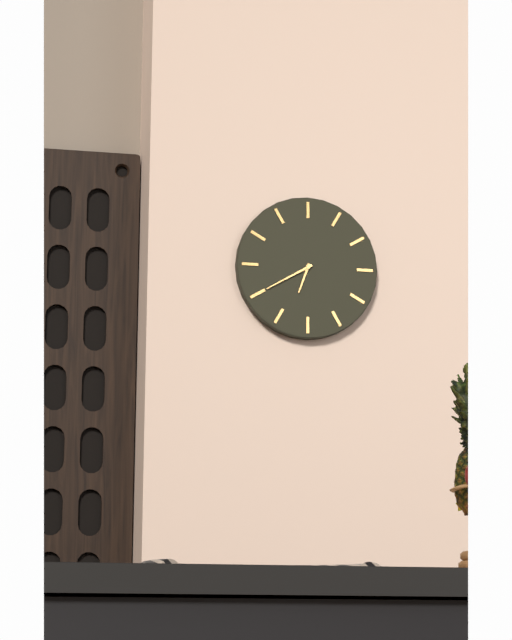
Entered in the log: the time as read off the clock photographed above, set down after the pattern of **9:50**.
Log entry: **6:40**
